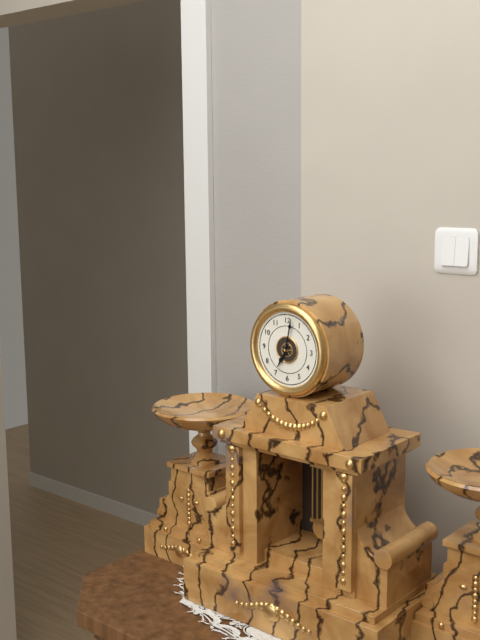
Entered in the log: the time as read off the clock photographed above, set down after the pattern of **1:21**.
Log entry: **7:02**
